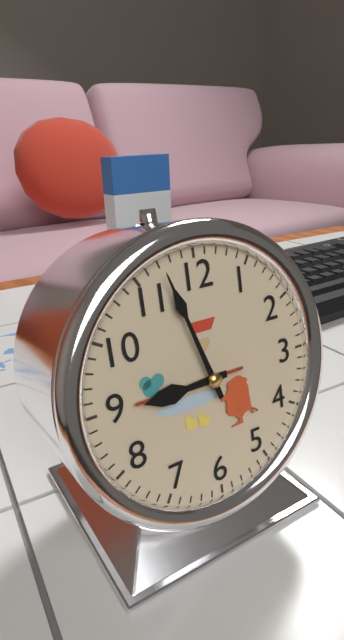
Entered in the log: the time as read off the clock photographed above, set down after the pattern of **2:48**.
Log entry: **8:57**
